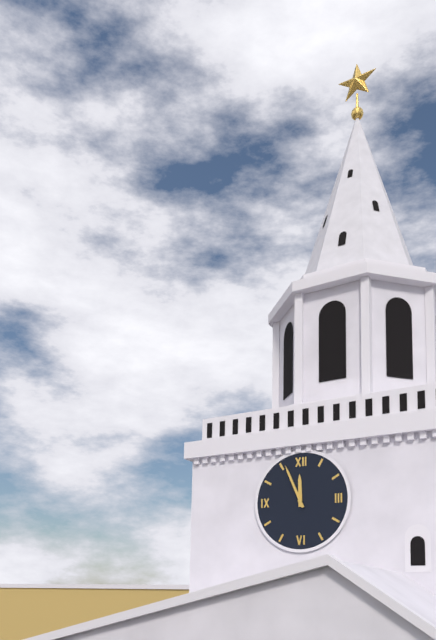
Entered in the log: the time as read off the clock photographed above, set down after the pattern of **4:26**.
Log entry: **11:56**
